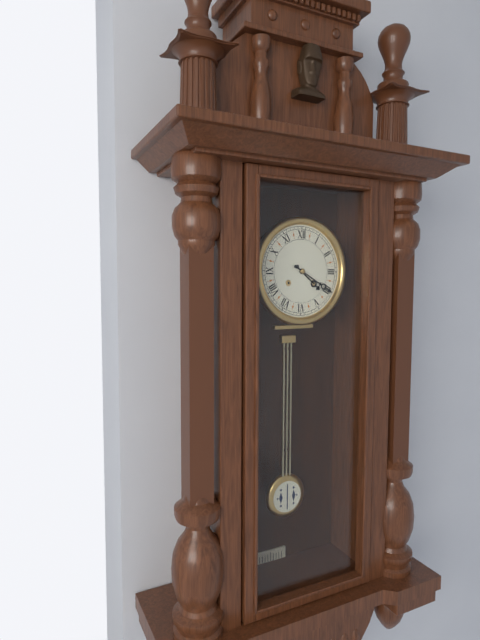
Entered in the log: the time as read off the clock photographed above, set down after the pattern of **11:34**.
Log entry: **4:20**
